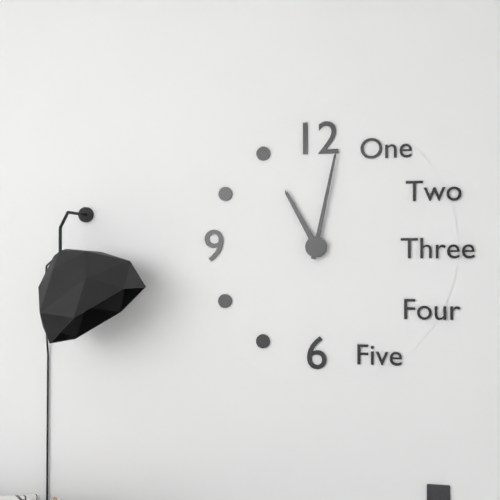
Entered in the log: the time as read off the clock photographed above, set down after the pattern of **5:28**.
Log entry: **11:02**
